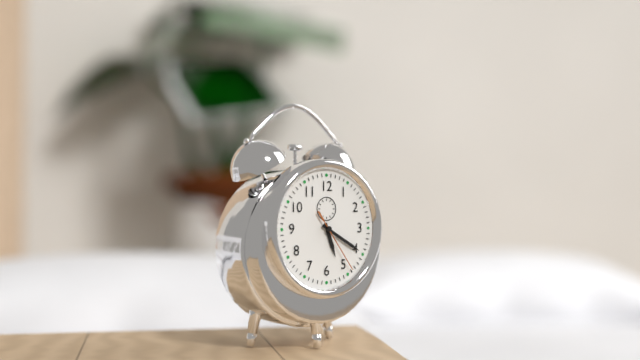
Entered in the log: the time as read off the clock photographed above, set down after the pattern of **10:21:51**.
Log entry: **5:20:24**
